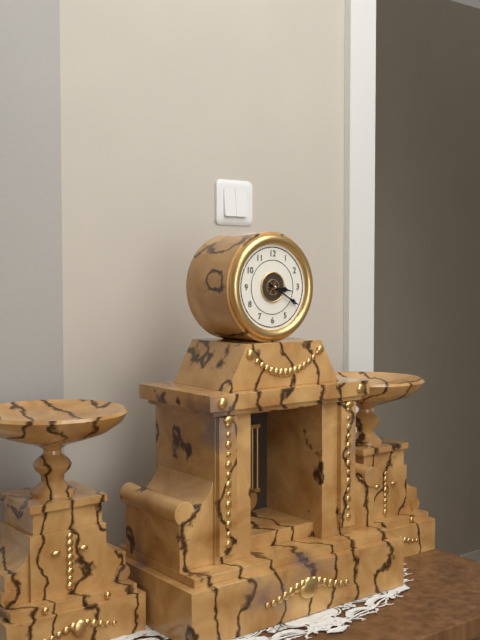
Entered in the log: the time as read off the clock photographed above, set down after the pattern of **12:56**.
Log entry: **3:20**
